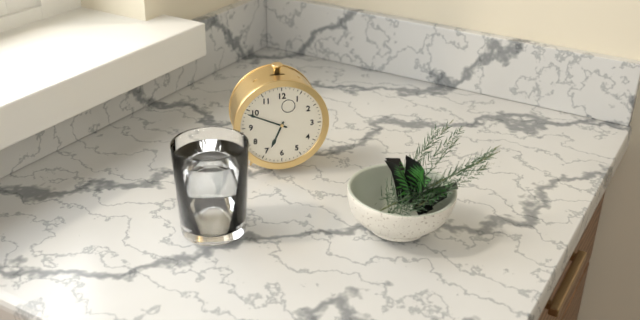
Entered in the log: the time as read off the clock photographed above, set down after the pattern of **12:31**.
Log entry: **6:49**
